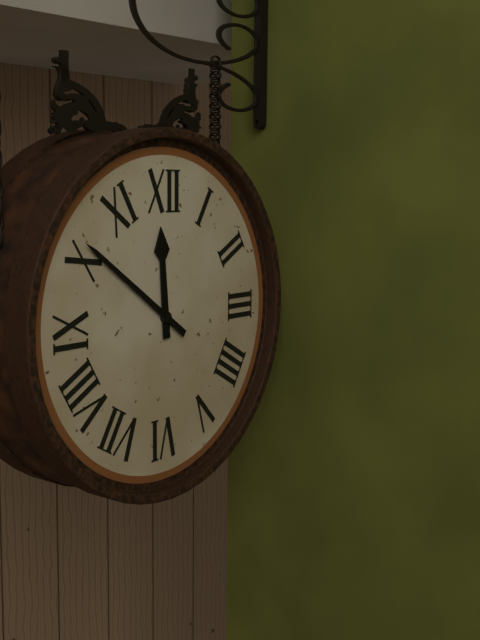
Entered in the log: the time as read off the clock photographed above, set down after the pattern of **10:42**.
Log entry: **11:51**
